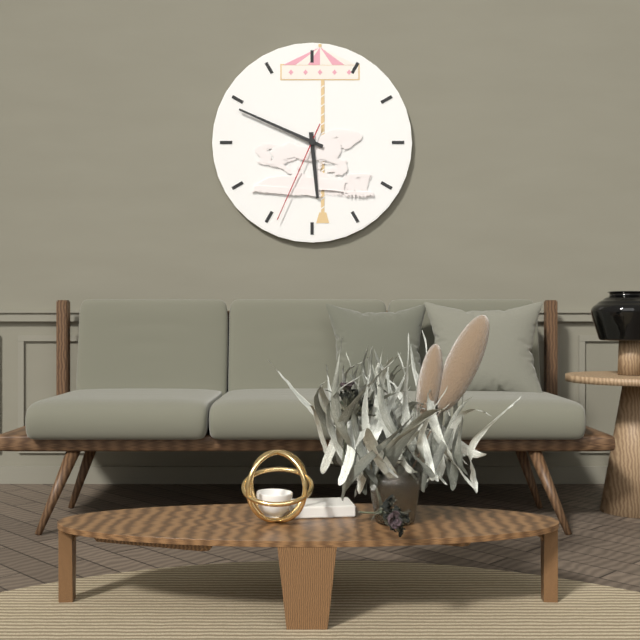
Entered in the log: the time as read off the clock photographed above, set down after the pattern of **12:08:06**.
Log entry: **5:49:34**
